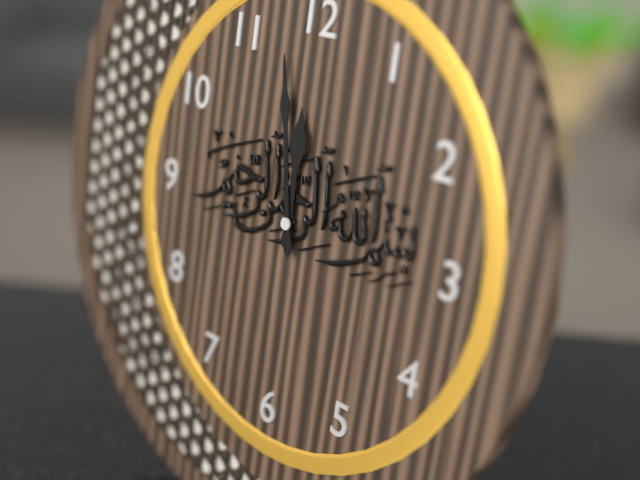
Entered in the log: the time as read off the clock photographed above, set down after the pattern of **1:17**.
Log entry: **11:58**
